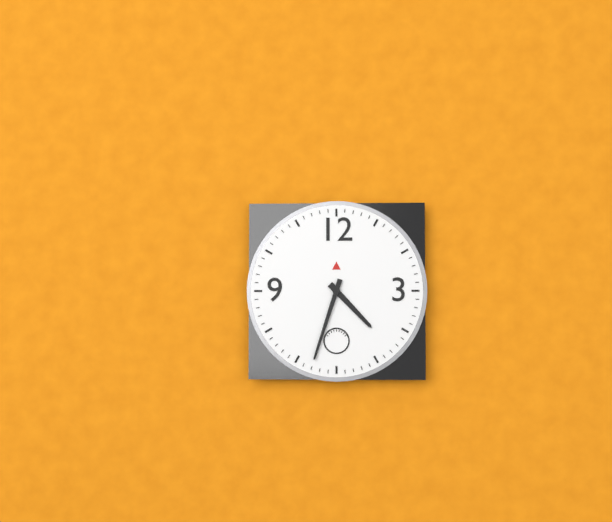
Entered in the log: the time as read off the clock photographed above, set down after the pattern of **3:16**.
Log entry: **4:33**
